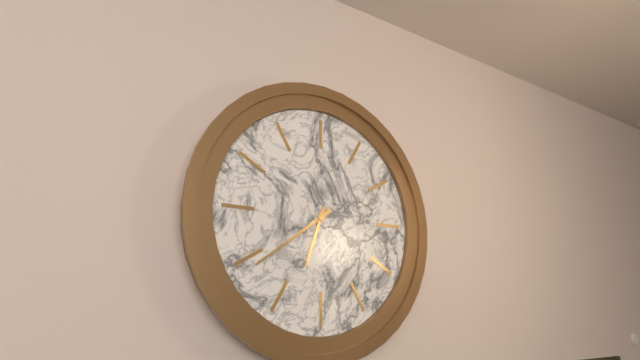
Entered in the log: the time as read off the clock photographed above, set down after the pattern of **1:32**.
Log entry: **6:39**
